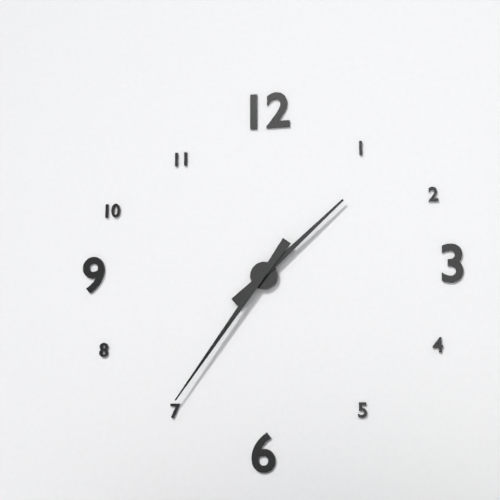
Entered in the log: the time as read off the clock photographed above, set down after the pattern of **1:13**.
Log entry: **1:36**
